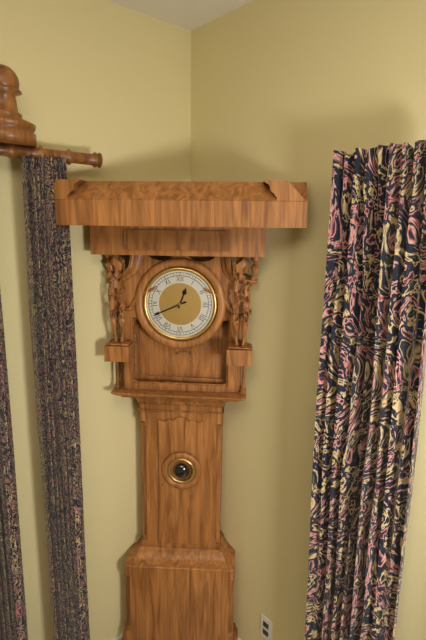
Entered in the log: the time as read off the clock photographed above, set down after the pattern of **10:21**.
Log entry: **12:41**
